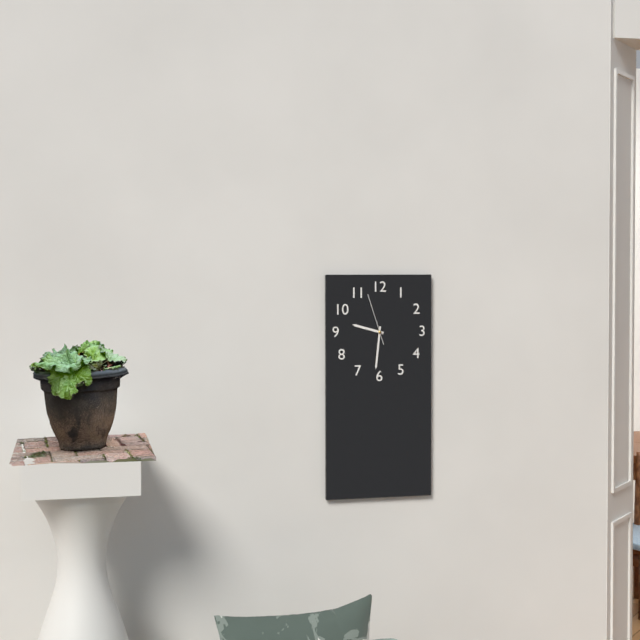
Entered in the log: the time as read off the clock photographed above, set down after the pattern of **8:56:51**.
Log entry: **9:31:57**
